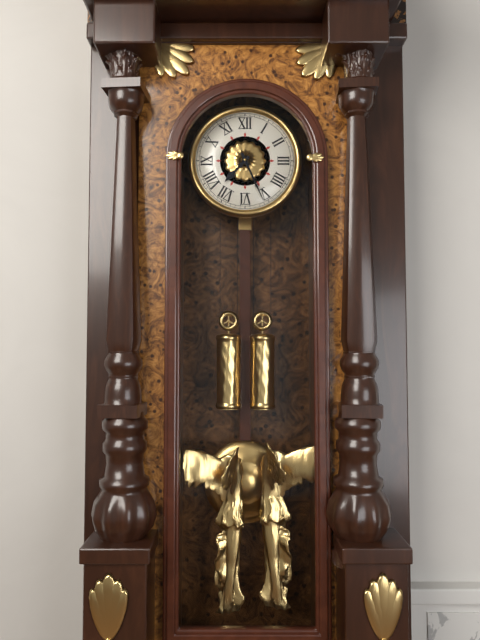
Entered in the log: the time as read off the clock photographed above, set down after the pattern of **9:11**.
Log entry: **7:26**
